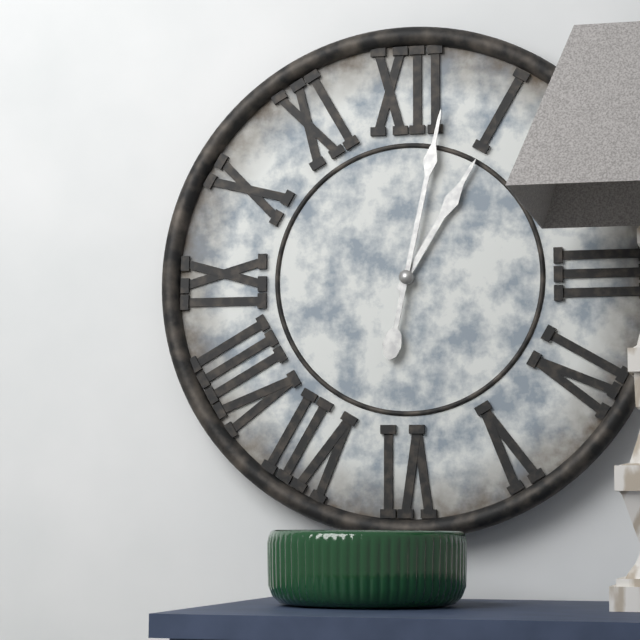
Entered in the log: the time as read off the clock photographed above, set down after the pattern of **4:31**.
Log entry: **1:02**
